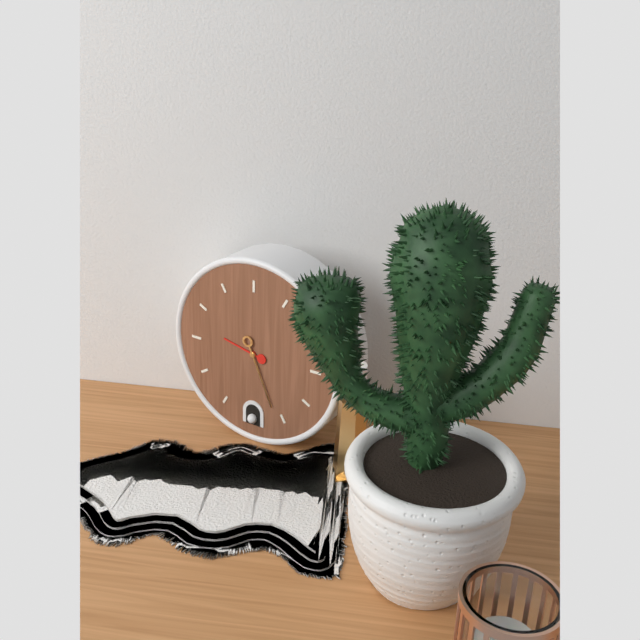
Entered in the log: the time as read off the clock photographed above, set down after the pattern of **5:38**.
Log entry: **9:26**
